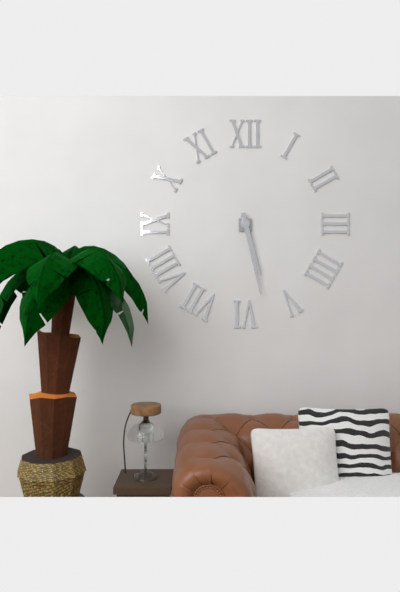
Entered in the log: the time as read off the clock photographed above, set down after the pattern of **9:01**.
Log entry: **5:28**
